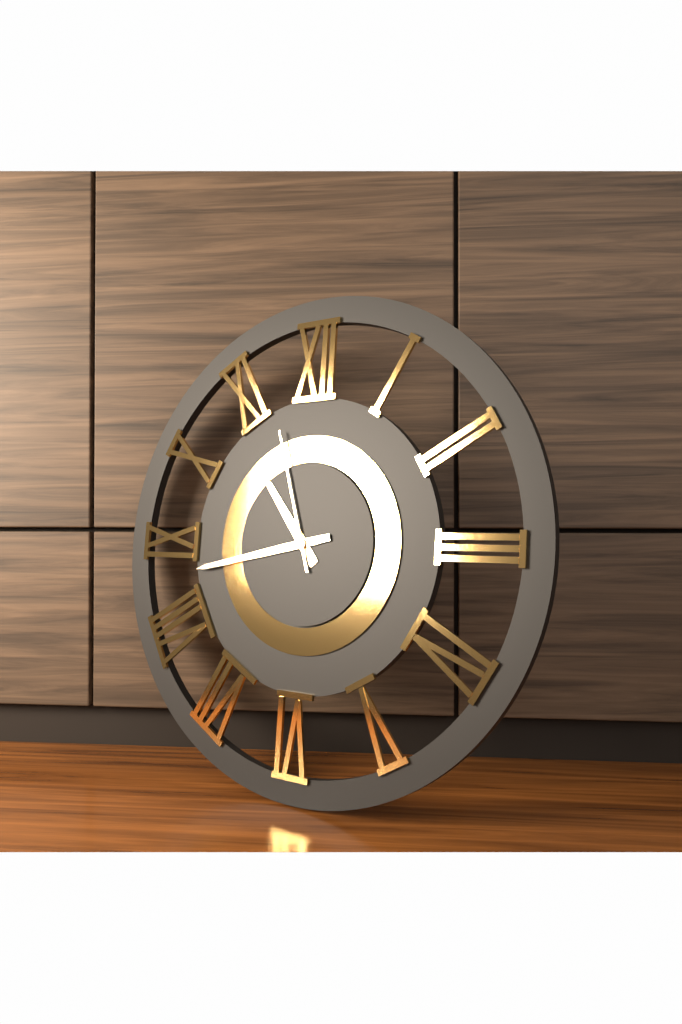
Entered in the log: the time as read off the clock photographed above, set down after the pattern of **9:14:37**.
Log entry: **10:43:57**
